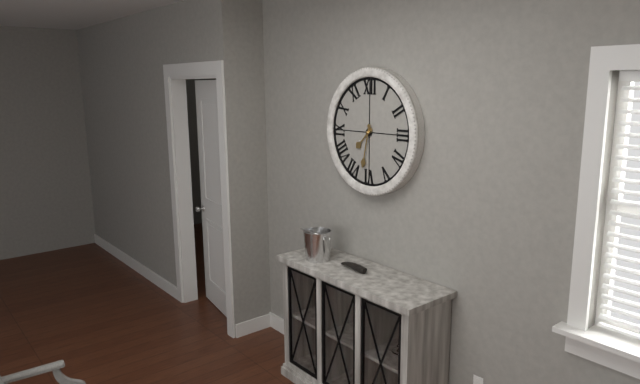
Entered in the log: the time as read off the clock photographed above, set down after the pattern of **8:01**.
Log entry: **7:32**
